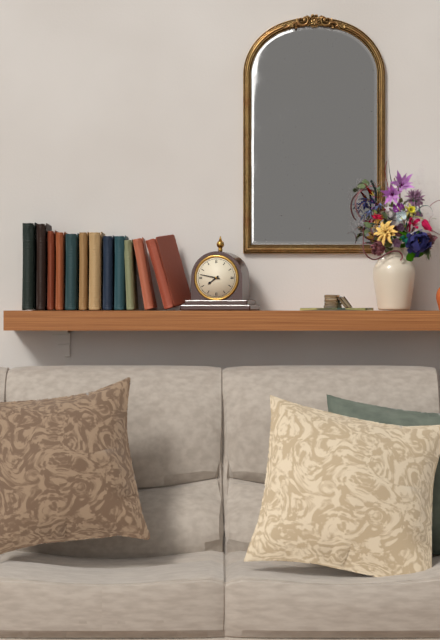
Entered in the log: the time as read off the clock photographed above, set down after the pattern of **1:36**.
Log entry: **7:47**
